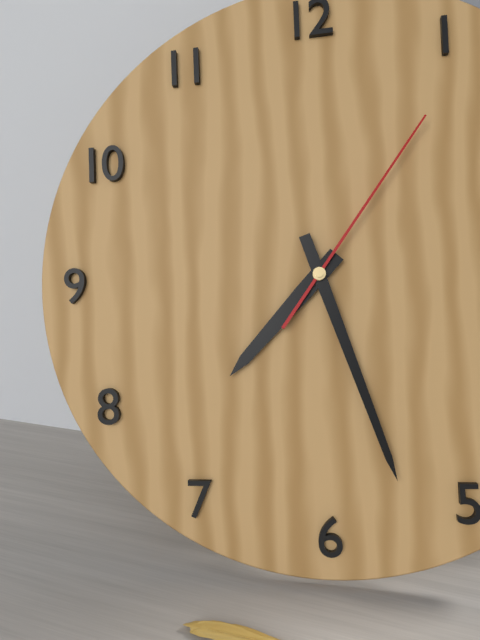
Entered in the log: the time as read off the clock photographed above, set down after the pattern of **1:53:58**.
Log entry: **7:27:06**
